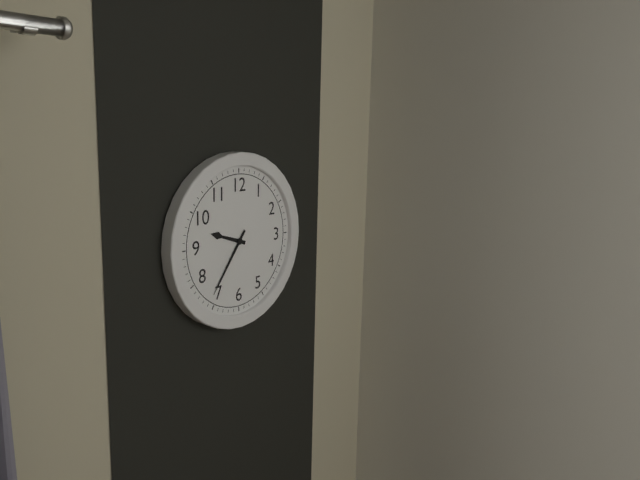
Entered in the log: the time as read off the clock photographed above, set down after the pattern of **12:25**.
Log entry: **9:36**
